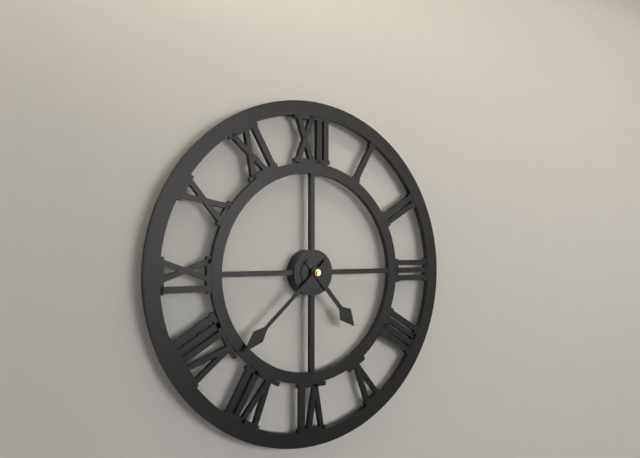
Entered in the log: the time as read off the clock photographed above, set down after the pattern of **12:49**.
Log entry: **4:38**
